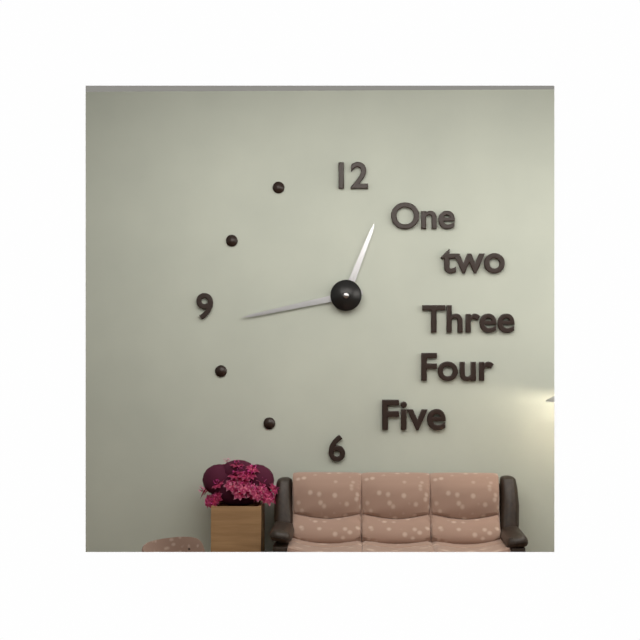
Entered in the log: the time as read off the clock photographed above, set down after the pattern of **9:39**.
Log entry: **12:43**
